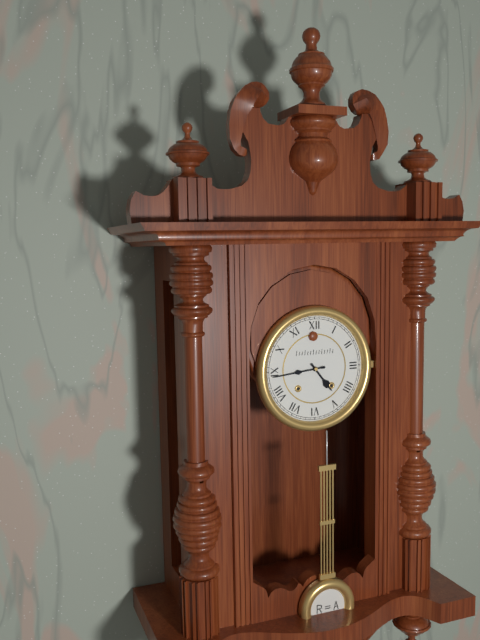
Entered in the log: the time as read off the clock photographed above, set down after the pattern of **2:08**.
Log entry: **4:44**
